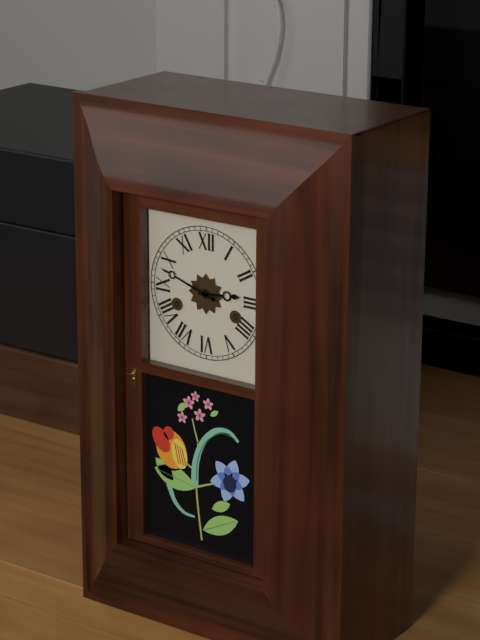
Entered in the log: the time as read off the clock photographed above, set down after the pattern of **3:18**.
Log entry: **2:48**
